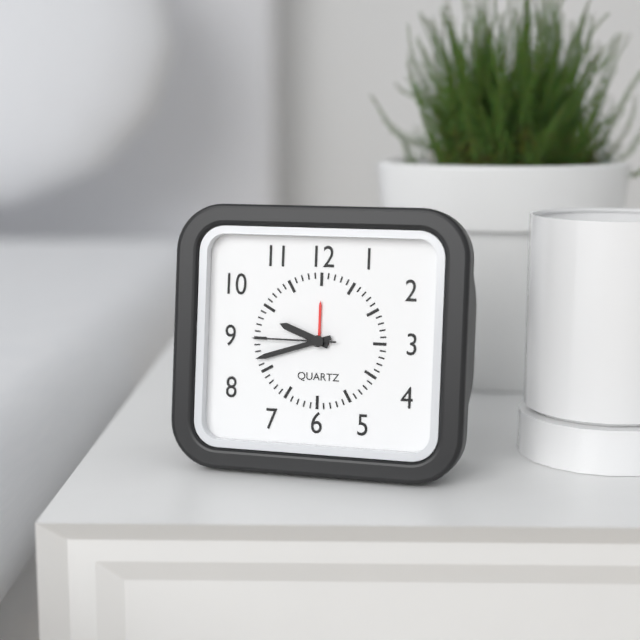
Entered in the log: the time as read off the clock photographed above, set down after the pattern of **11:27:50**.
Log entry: **9:42:45**
